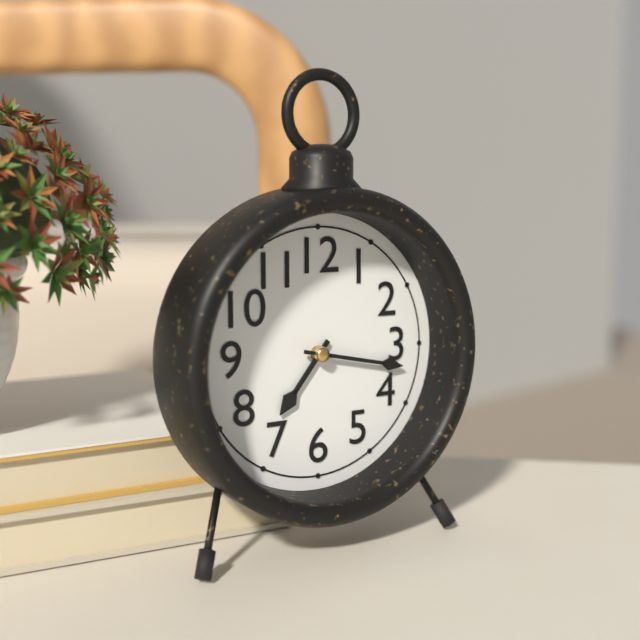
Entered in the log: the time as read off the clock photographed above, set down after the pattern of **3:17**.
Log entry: **7:17**
